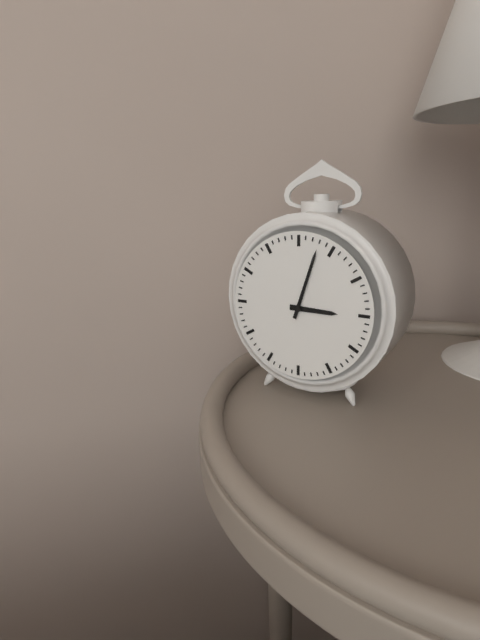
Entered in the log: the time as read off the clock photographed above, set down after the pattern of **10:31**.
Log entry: **3:03**
